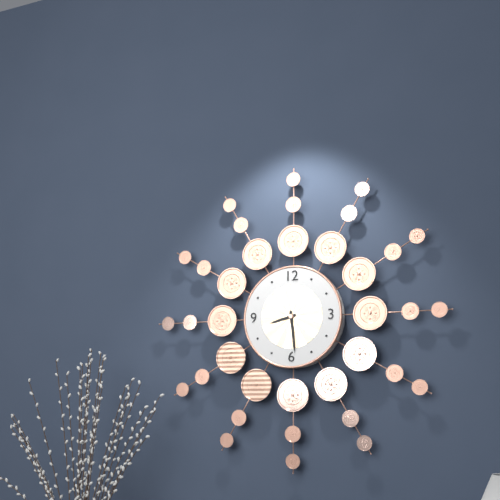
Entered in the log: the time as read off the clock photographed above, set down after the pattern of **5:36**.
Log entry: **8:29**
